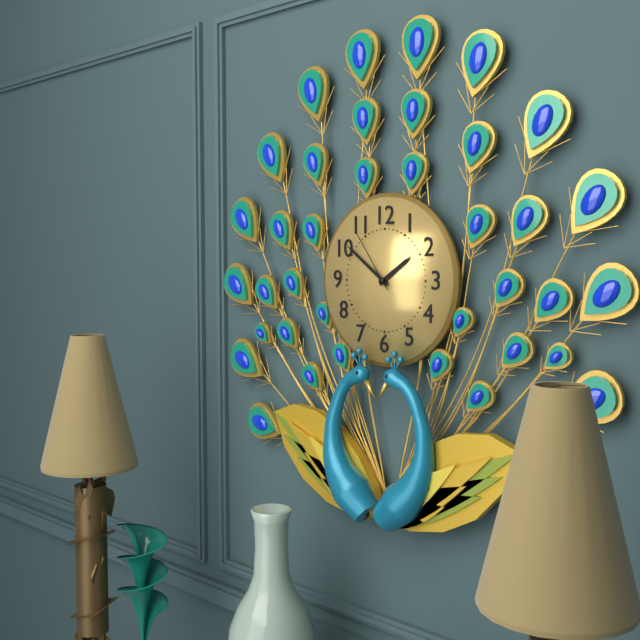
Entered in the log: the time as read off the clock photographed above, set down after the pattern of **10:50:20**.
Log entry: **1:51:54**
